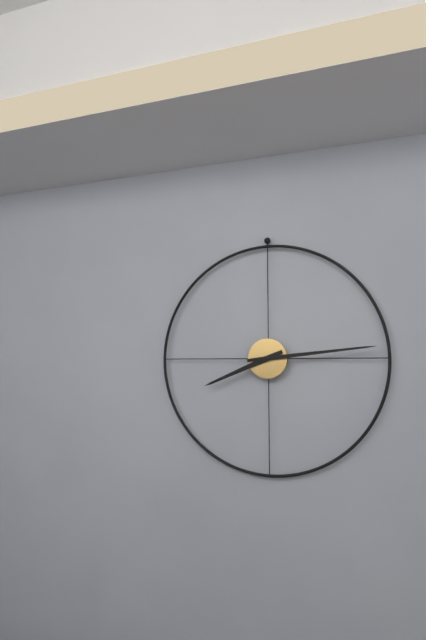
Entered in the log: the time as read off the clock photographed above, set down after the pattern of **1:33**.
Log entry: **8:14**
